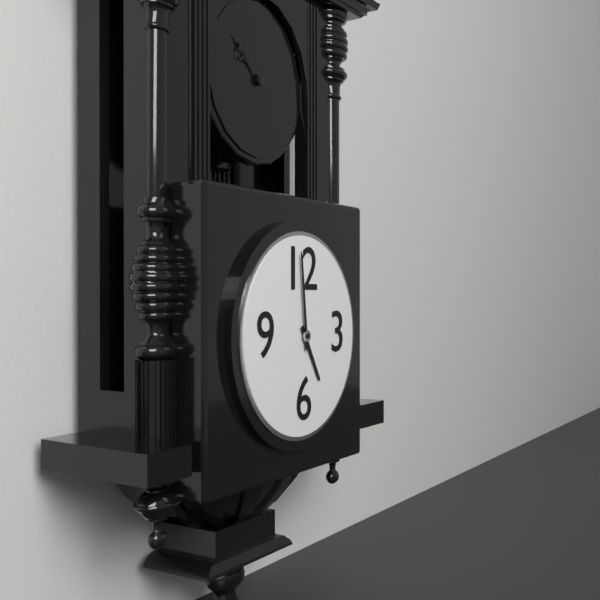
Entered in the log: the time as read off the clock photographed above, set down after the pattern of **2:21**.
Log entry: **4:59**
